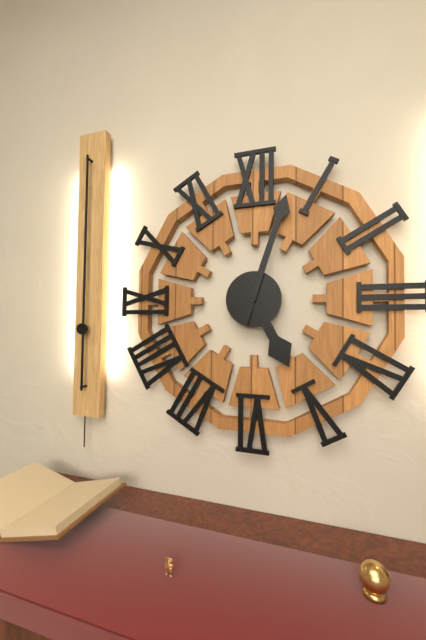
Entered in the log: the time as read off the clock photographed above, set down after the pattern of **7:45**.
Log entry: **5:03**
